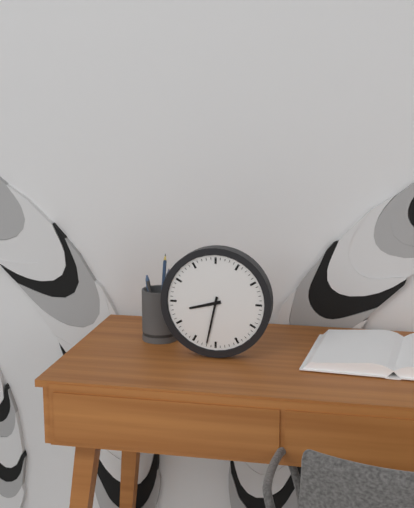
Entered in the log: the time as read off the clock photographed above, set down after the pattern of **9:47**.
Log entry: **8:32**
